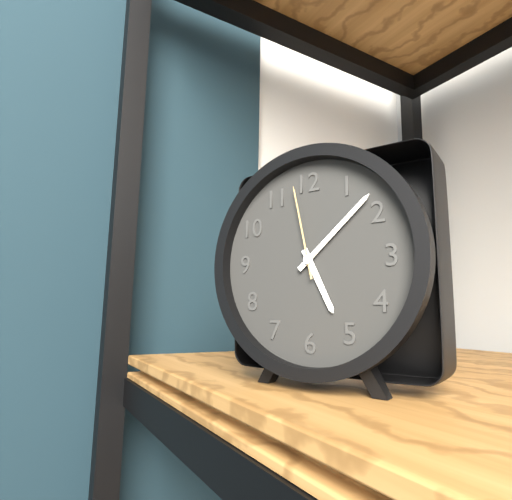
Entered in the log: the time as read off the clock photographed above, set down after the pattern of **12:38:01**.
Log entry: **5:08:58**
